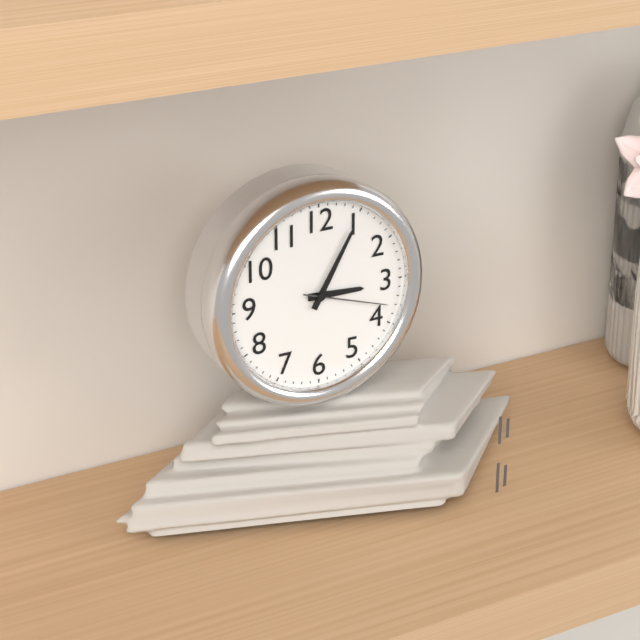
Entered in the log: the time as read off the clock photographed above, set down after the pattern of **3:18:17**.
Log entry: **3:05:18**
